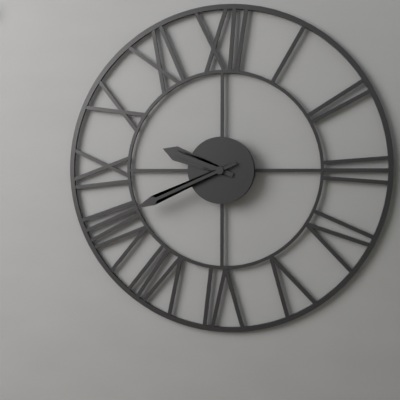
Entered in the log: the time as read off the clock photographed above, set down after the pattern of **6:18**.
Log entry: **9:41**
